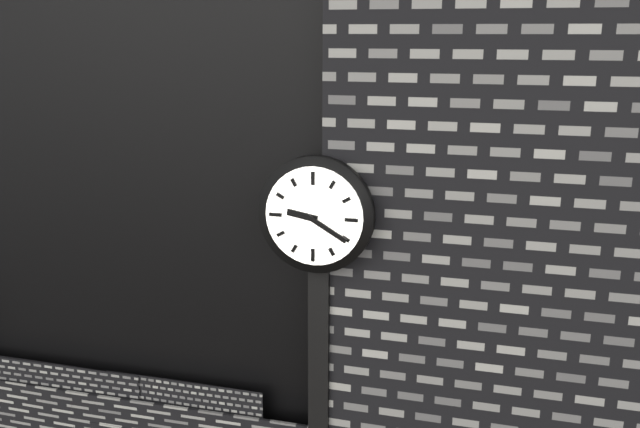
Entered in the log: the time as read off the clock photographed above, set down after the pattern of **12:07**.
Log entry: **9:20**
